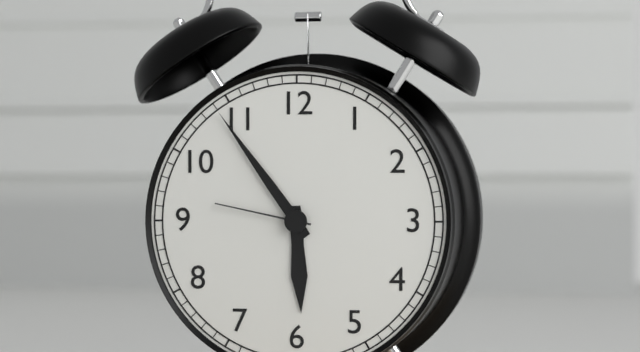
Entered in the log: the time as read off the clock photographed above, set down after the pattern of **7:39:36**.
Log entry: **5:54:47**
